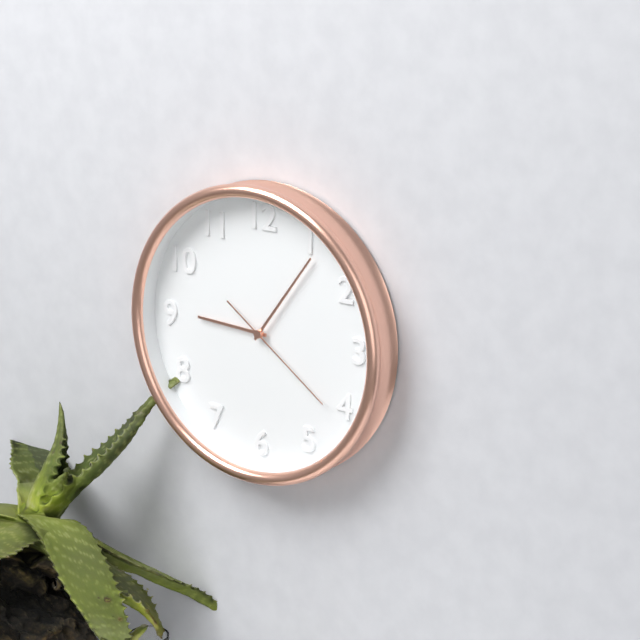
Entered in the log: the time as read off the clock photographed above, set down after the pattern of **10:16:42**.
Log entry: **9:06:21**
